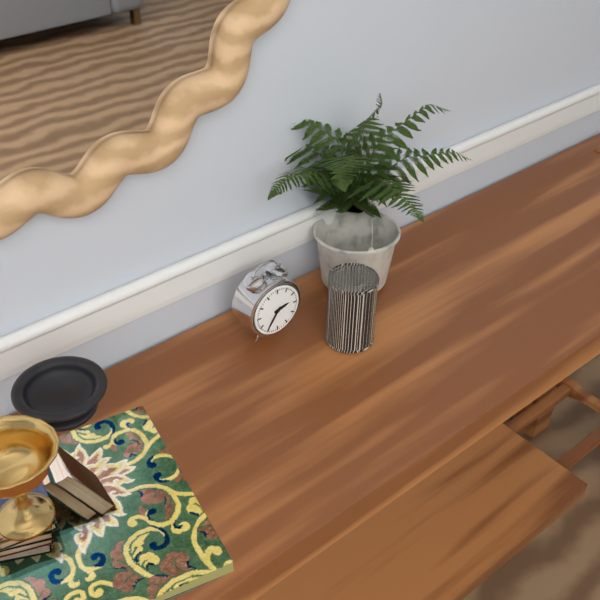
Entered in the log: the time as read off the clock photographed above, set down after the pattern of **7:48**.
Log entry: **2:36**
